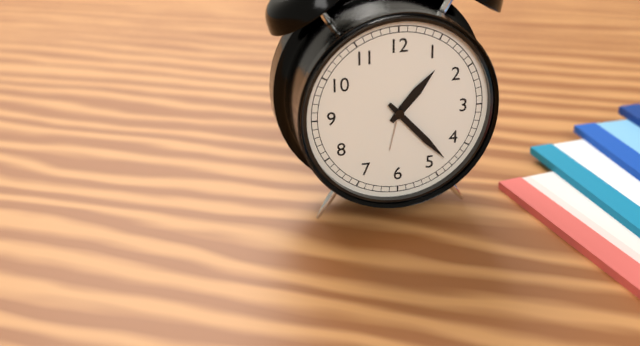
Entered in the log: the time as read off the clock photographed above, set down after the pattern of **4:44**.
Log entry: **1:23**
